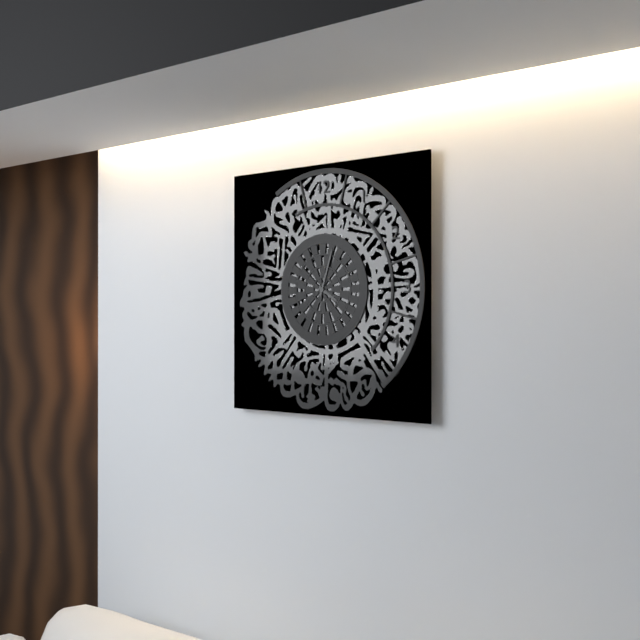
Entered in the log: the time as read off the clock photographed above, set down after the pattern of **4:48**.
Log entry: **4:03**
